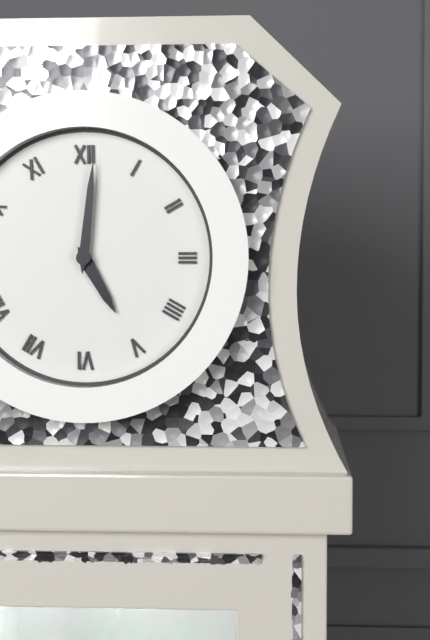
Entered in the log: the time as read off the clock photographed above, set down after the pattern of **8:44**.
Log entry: **5:01**
